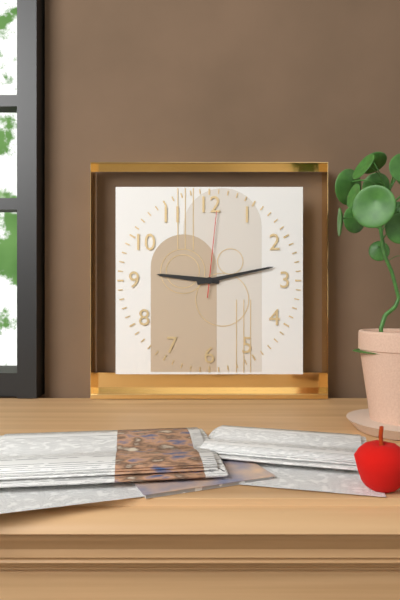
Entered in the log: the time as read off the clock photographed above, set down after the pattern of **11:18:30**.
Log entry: **9:13:01**
